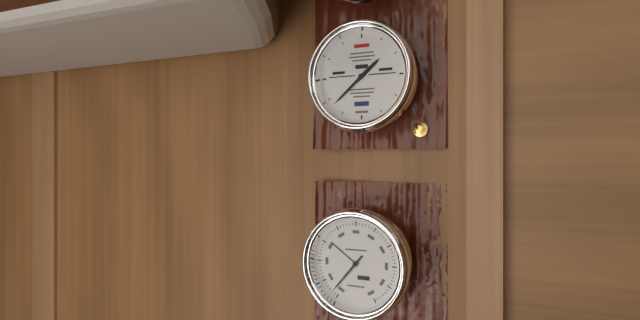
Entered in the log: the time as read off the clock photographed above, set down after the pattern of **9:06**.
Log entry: **1:38**
